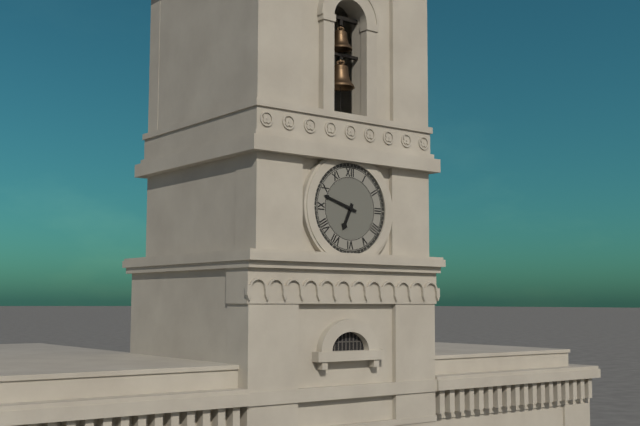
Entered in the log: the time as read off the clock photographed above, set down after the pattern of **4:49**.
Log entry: **6:48**
